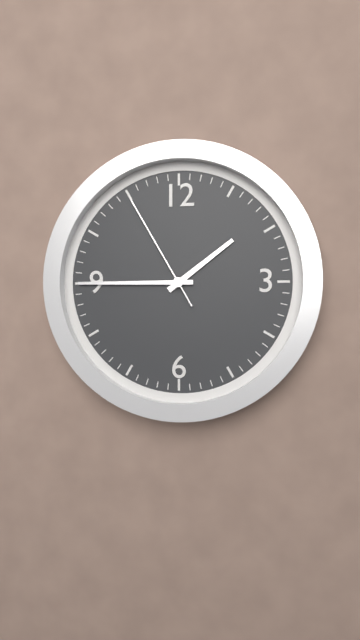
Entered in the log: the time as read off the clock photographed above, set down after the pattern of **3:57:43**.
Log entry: **1:45:55**
